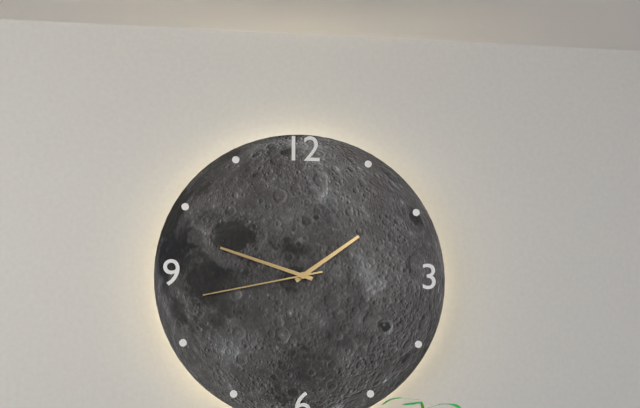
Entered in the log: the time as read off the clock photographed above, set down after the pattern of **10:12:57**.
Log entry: **1:48:43**
